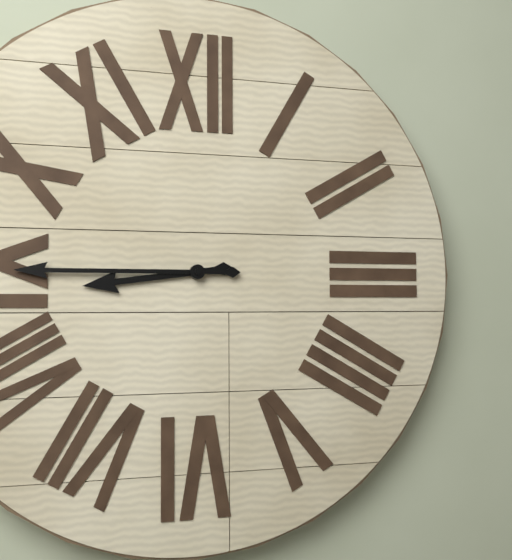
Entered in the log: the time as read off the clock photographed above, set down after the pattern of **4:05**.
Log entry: **8:45**
